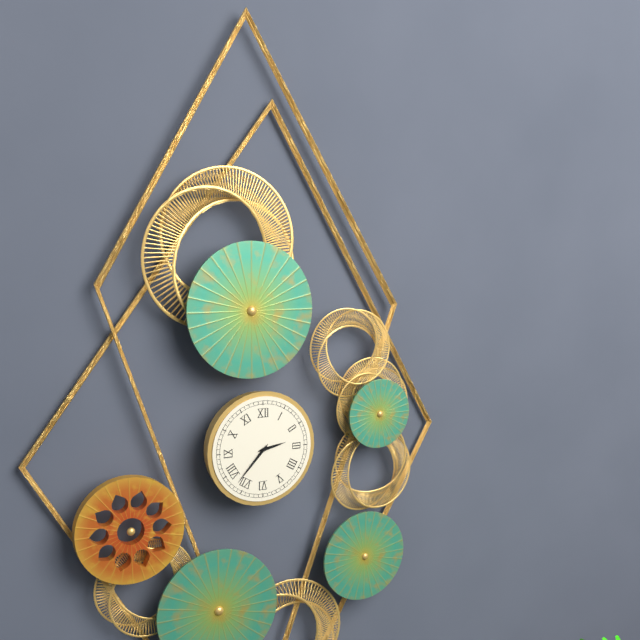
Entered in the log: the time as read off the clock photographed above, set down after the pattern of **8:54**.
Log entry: **2:37**
